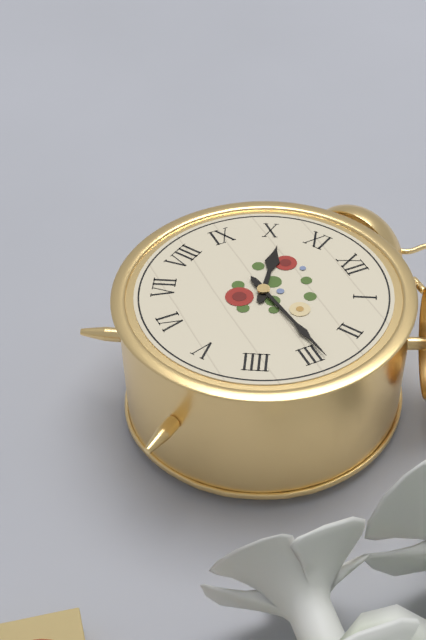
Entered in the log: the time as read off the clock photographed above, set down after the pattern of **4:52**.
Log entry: **10:14**
